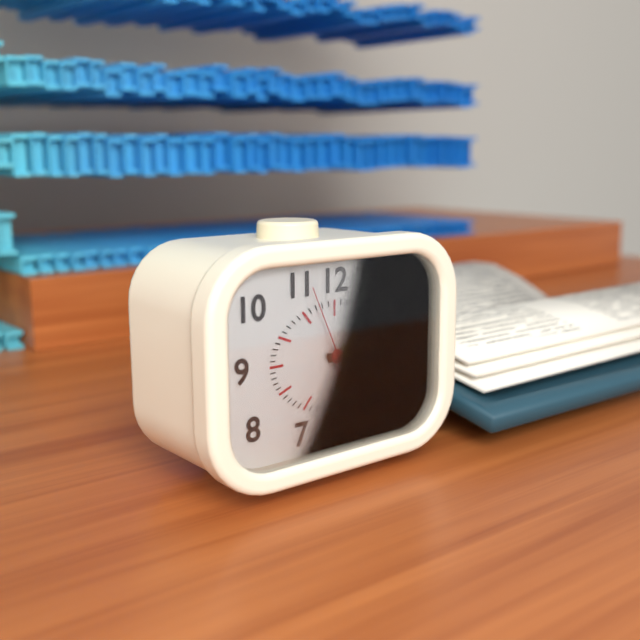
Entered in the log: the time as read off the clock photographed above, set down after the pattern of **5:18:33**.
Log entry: **2:17:56**
